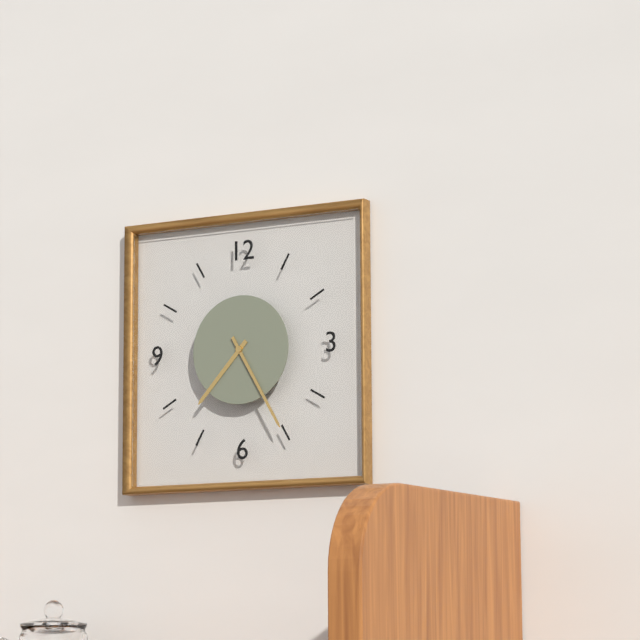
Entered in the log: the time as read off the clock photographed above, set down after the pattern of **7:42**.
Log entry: **7:25**
